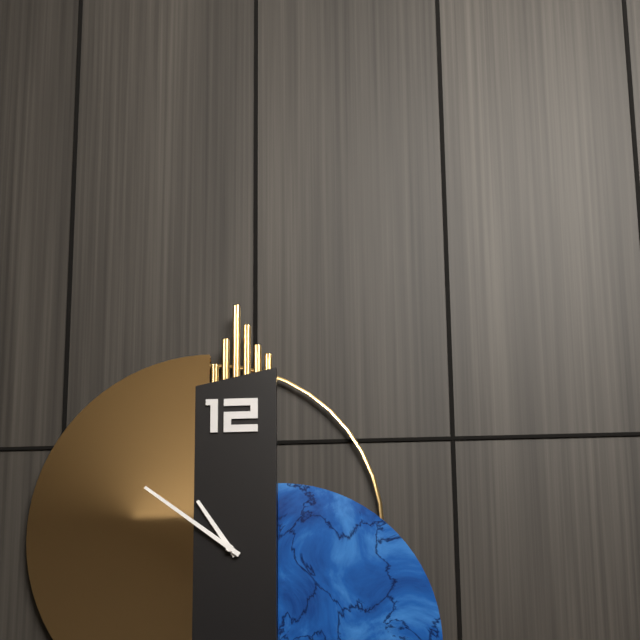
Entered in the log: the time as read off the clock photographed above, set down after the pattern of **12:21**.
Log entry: **10:51**
